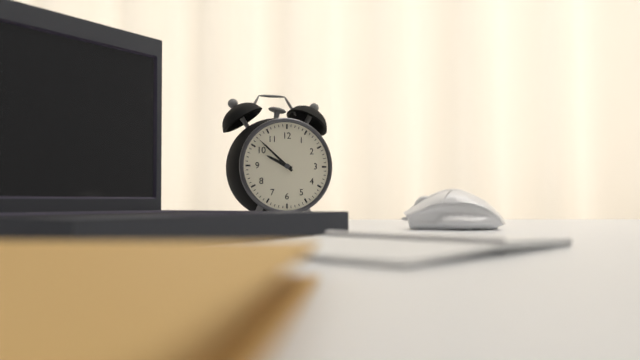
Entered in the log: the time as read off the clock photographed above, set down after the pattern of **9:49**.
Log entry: **9:52**
